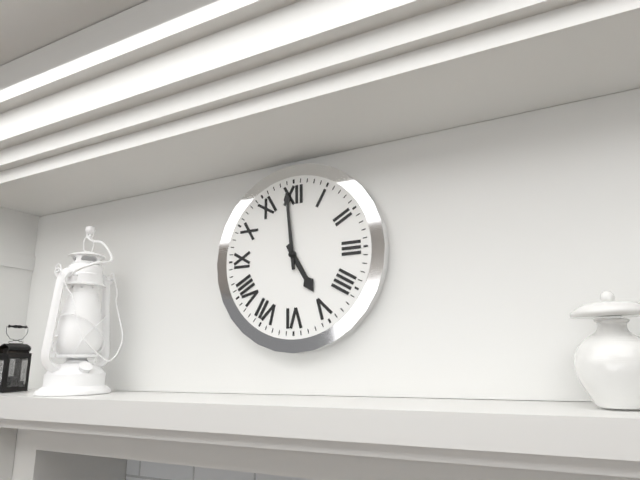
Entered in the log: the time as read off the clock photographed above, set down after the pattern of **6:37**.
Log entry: **4:59**
